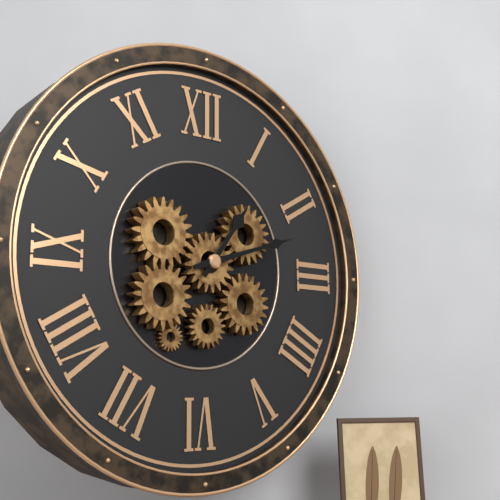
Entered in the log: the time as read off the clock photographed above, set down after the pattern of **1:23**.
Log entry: **1:12**
